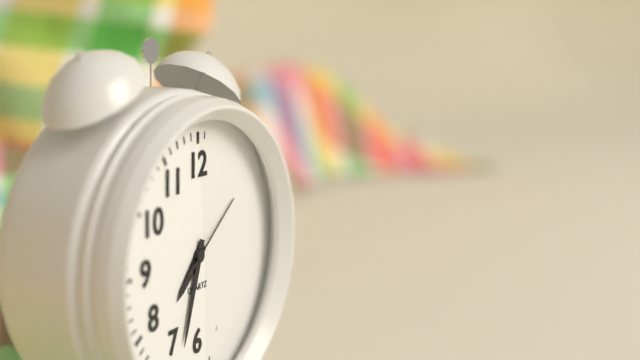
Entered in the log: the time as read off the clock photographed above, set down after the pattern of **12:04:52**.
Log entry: **7:33:09**
